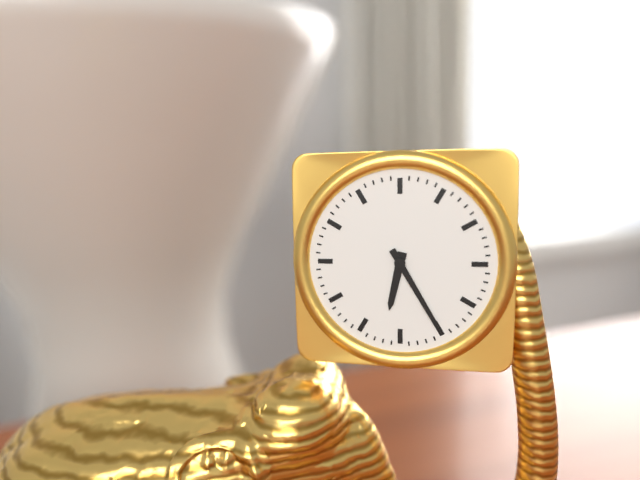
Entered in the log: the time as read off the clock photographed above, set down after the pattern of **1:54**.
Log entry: **6:25**
